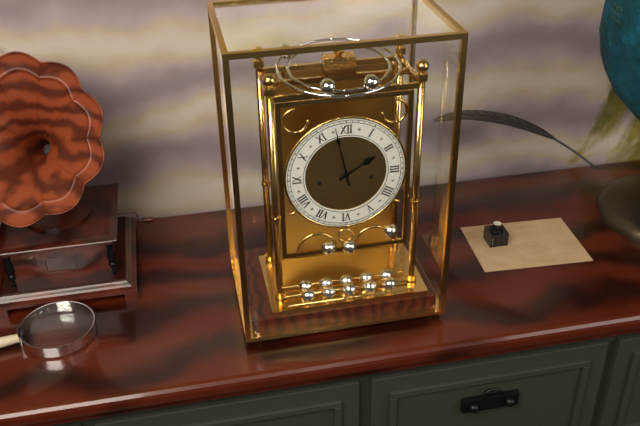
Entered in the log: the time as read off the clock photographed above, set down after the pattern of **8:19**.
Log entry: **1:58**
